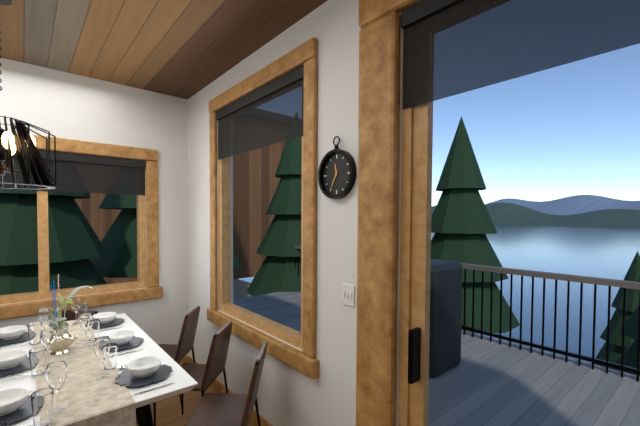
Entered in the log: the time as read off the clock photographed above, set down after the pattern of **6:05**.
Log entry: **11:35**
